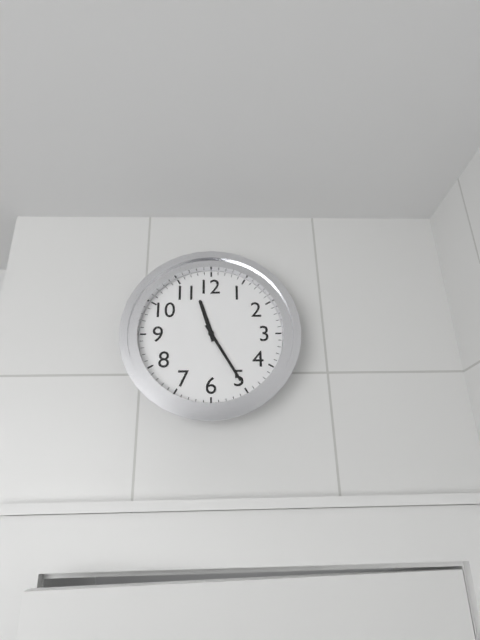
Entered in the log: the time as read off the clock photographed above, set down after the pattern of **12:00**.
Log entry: **11:25**
